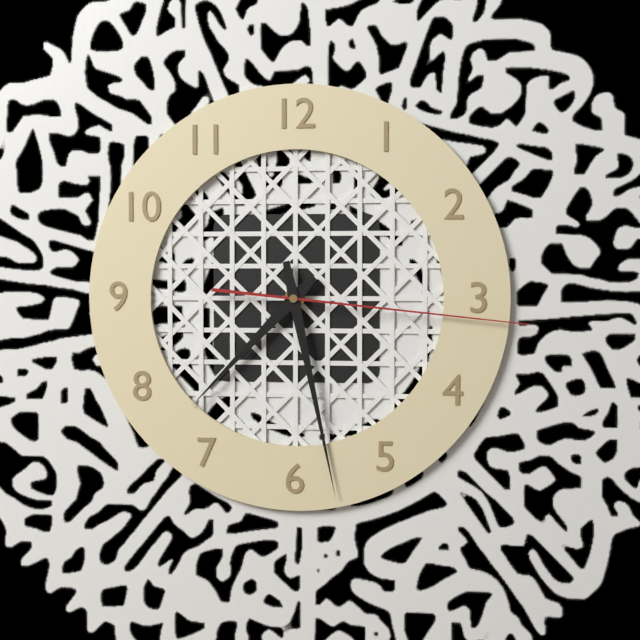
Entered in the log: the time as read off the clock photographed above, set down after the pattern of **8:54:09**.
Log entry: **7:28:16**
